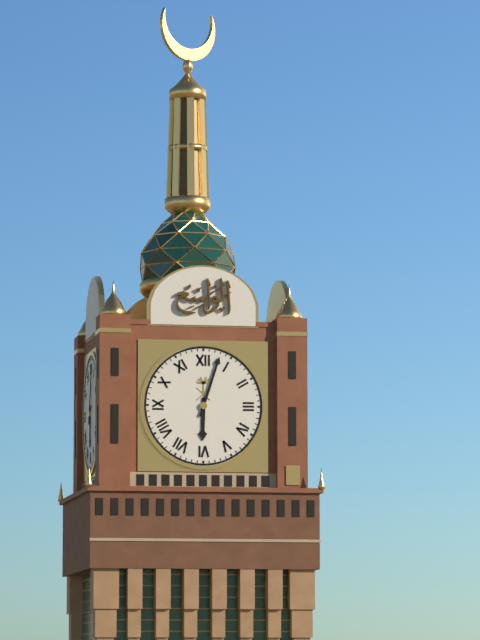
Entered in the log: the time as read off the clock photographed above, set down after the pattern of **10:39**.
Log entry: **6:03**
